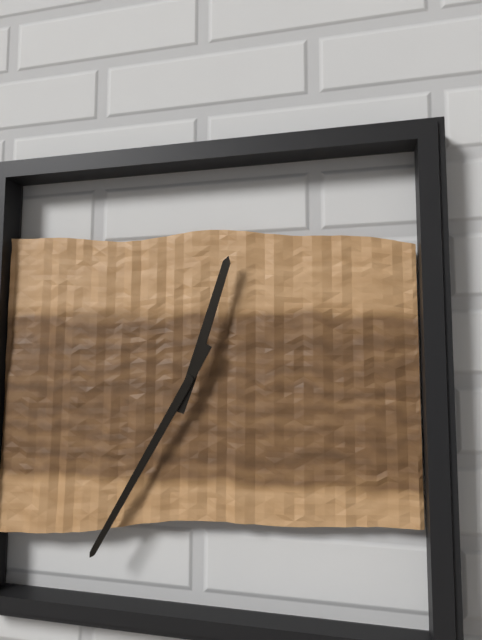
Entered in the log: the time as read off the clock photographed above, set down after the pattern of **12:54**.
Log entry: **12:35**
